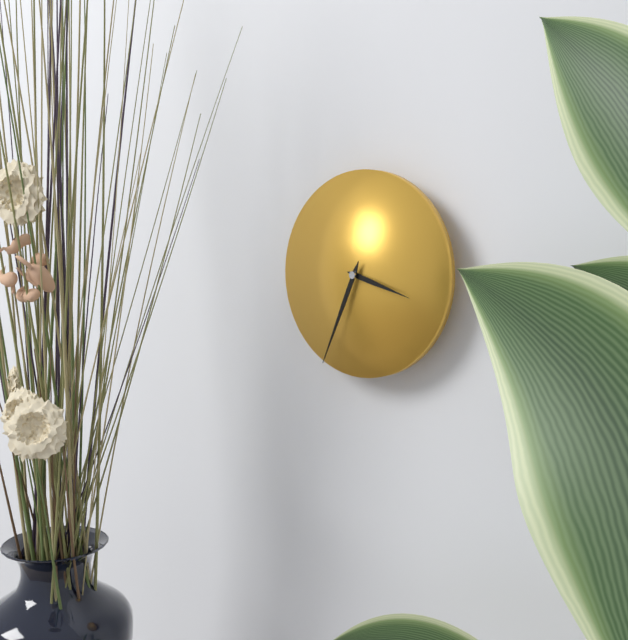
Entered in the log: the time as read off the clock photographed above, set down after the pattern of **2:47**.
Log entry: **3:34**
